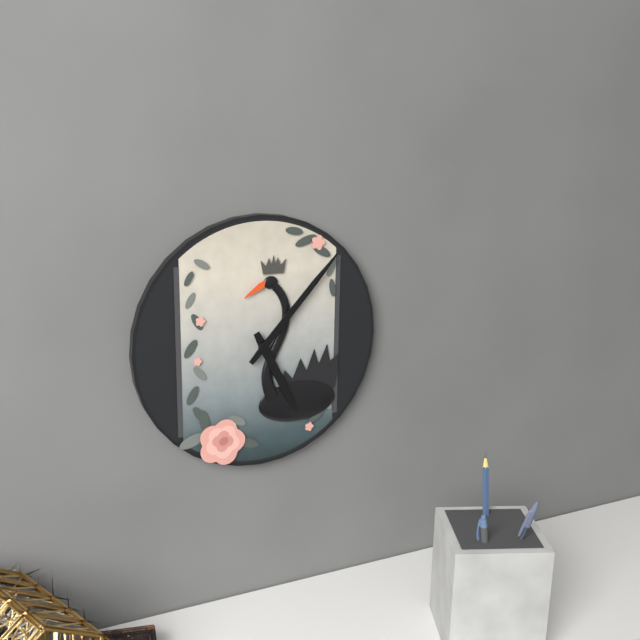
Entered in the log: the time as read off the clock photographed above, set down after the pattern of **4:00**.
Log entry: **5:07**
